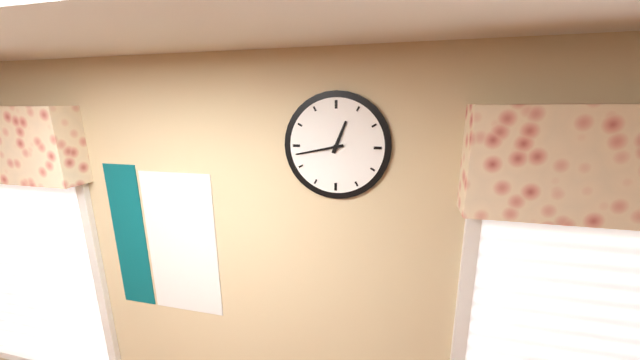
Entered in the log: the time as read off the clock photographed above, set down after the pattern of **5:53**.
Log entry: **12:43**
